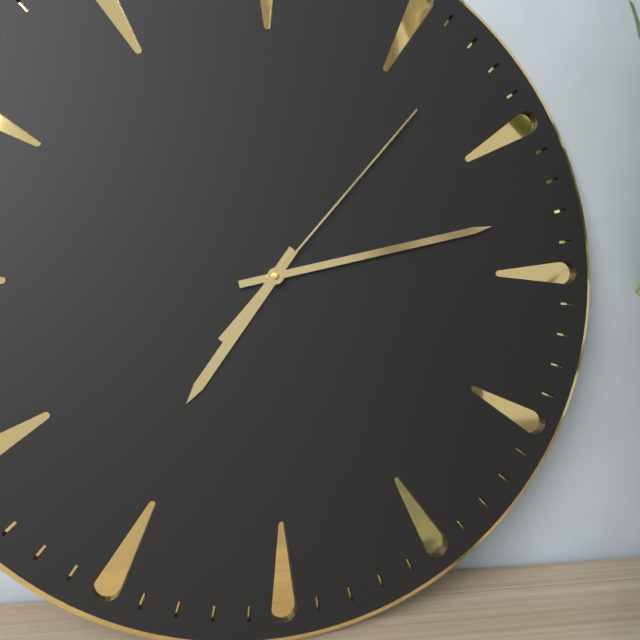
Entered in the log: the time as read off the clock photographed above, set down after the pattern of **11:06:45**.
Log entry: **7:13:07**
